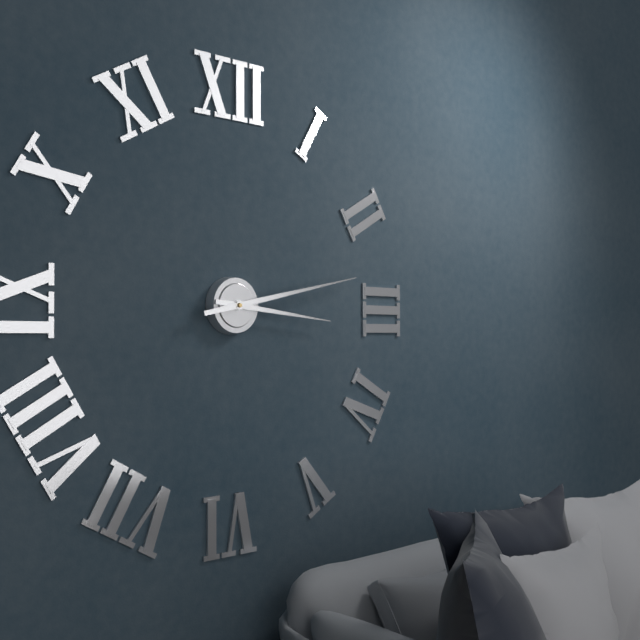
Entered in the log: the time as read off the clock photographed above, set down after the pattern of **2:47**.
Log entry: **3:13**
